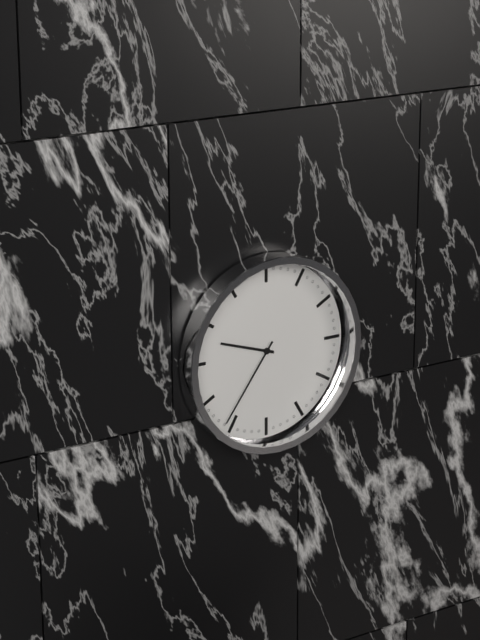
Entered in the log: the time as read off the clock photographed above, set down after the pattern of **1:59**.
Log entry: **9:36**
